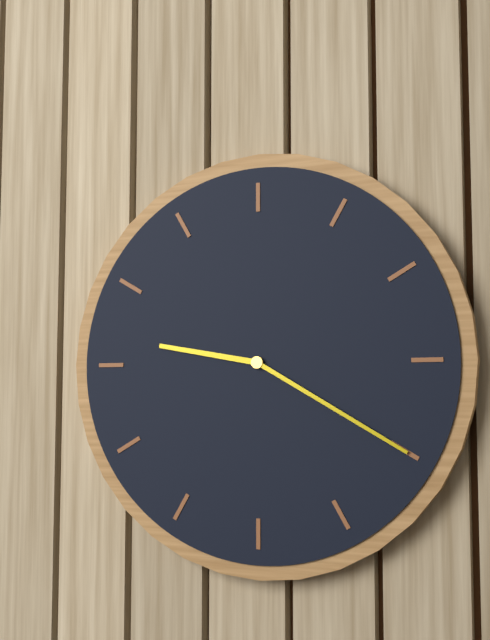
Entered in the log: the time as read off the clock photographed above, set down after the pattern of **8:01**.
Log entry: **9:20**
